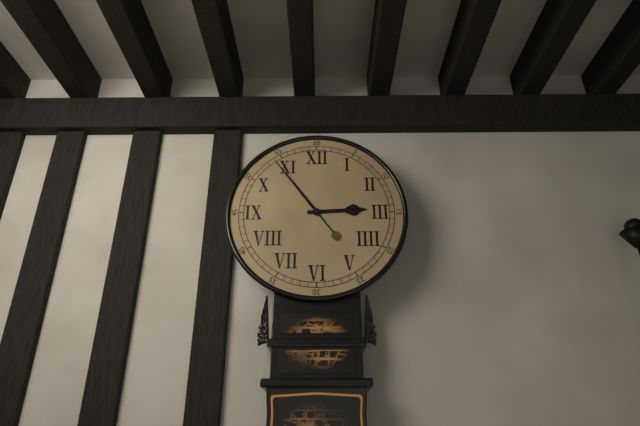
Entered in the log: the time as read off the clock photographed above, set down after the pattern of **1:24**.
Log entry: **2:54**
